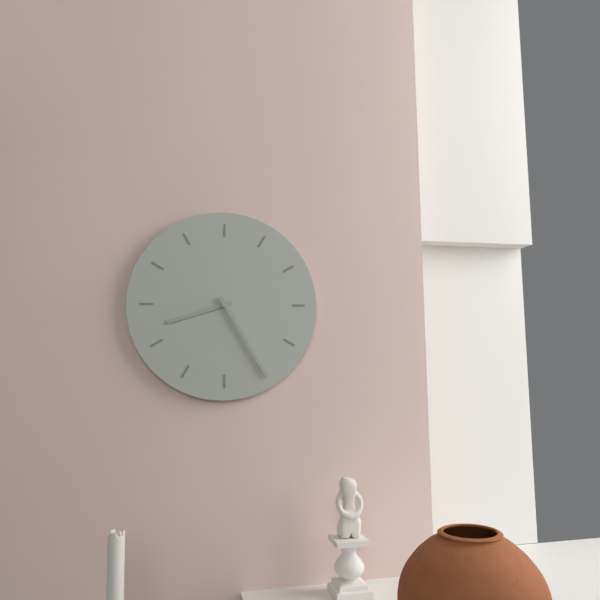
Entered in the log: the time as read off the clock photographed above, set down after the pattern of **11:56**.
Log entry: **8:25**
